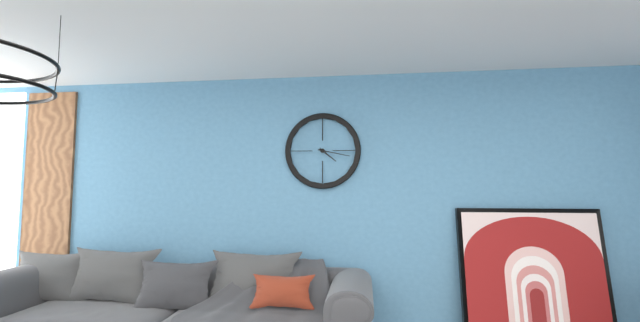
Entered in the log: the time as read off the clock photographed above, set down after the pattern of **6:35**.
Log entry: **4:17**
